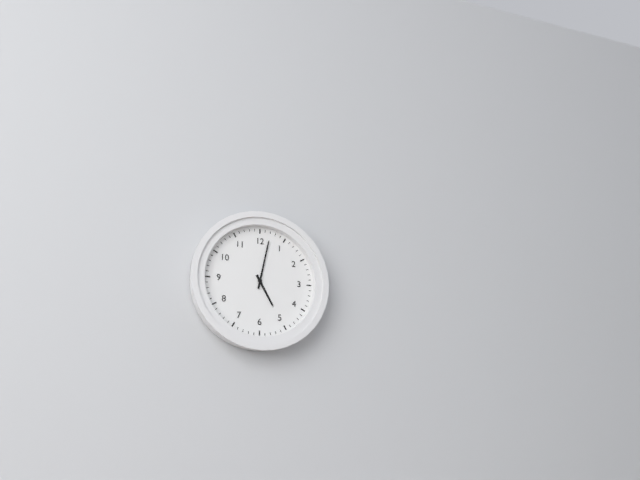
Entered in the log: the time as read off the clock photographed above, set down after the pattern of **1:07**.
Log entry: **5:02**
